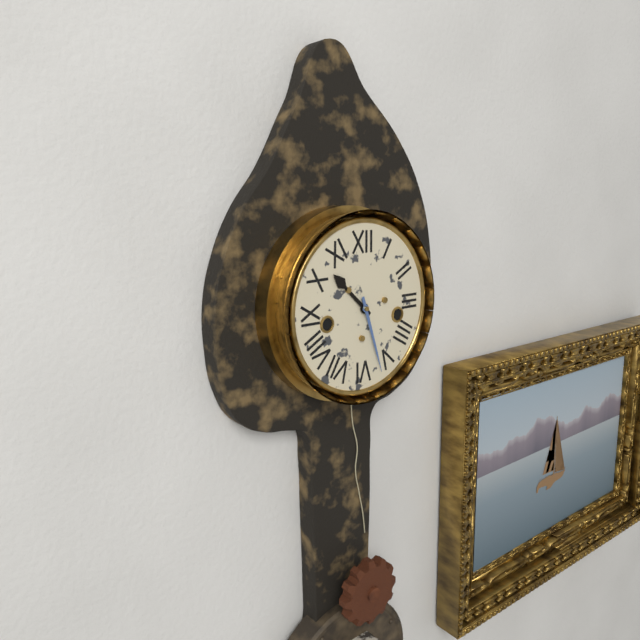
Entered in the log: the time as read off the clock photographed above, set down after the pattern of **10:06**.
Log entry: **10:27**
